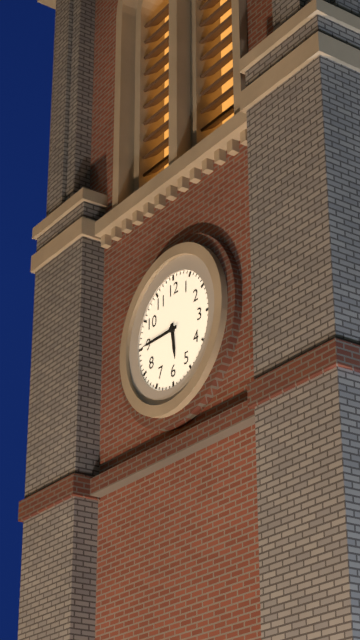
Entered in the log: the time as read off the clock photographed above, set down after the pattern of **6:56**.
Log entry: **5:45**
